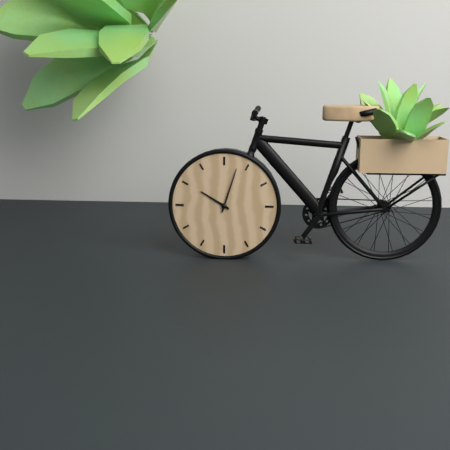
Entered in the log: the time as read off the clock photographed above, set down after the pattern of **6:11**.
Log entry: **10:03**
